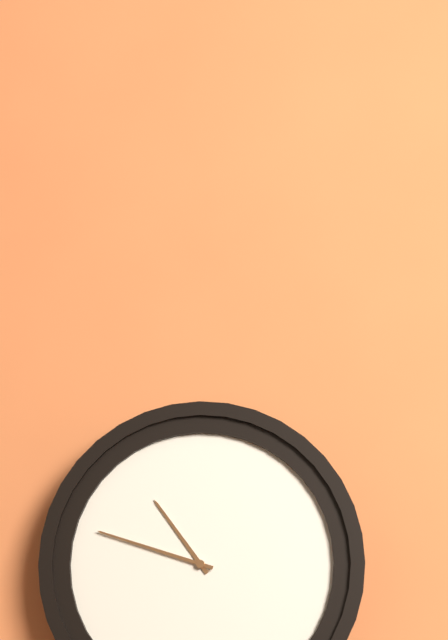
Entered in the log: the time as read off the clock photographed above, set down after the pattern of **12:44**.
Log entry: **10:48**
